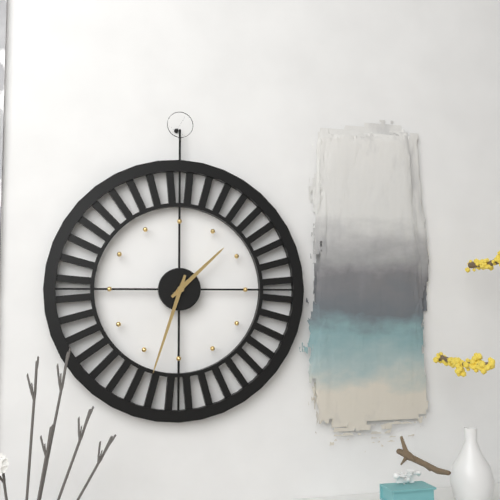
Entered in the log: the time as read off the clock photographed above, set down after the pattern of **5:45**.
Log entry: **1:33**
